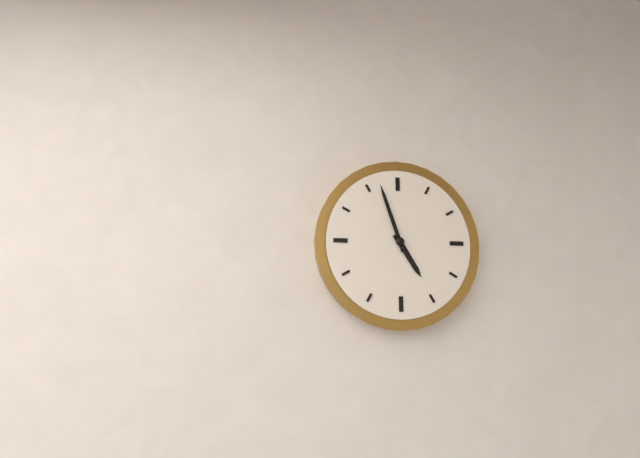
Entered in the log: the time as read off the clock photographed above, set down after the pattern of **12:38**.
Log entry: **4:57**
